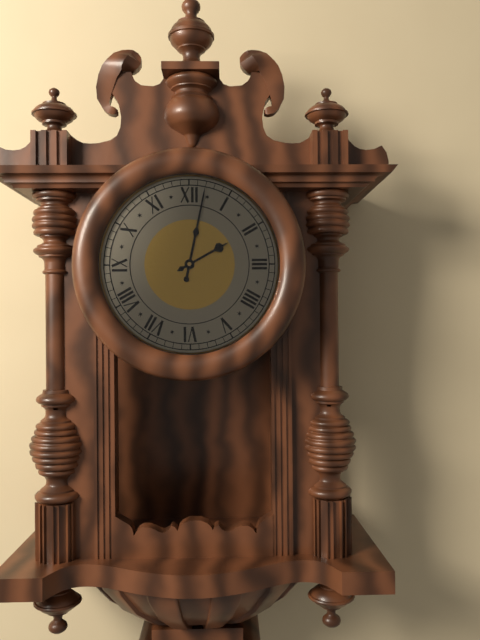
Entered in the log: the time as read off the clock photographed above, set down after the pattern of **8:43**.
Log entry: **2:02**
